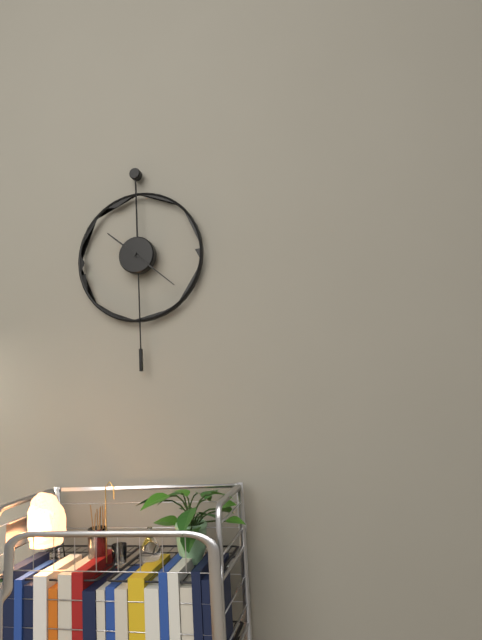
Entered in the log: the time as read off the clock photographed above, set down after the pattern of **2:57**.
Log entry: **10:22**
